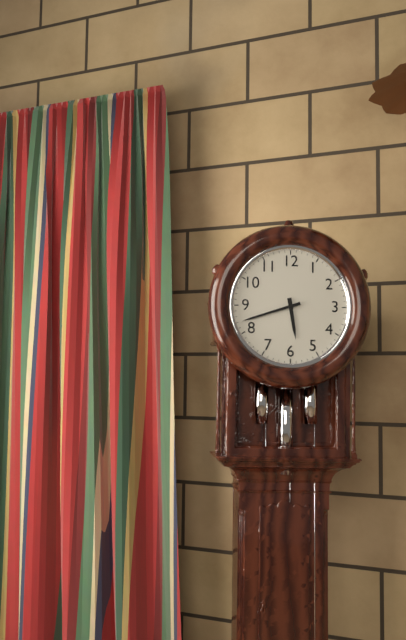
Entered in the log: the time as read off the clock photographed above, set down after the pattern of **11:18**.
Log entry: **5:42**
